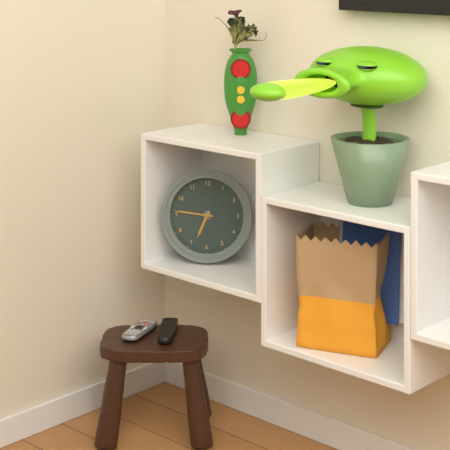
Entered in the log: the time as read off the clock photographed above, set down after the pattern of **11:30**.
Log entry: **6:46**
